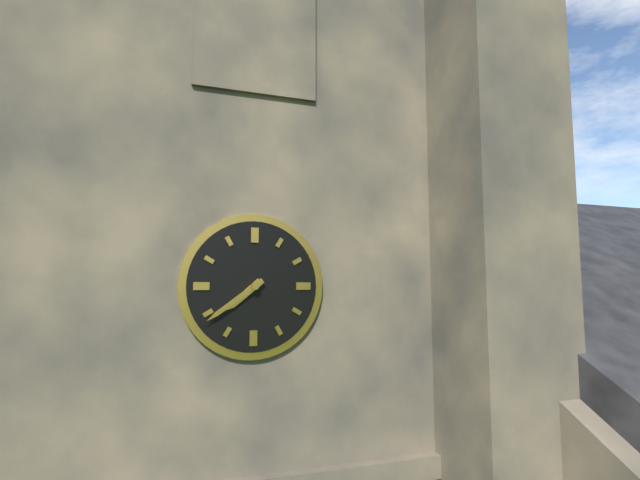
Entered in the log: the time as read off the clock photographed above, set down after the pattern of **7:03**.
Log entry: **7:39**
